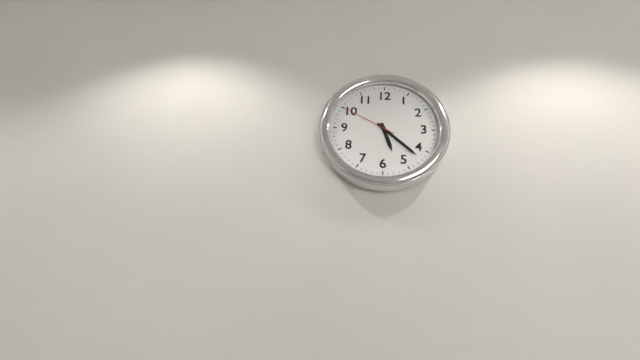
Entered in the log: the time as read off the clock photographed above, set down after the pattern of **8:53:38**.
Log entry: **5:22:50**
